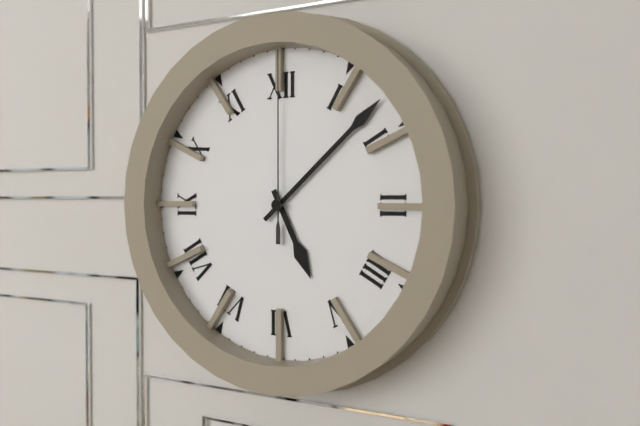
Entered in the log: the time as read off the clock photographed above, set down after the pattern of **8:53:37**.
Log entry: **5:08:00**
